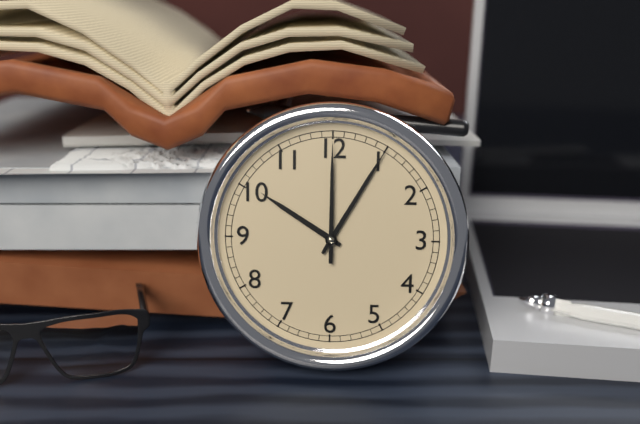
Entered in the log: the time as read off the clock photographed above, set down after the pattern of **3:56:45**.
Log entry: **10:05:00**
